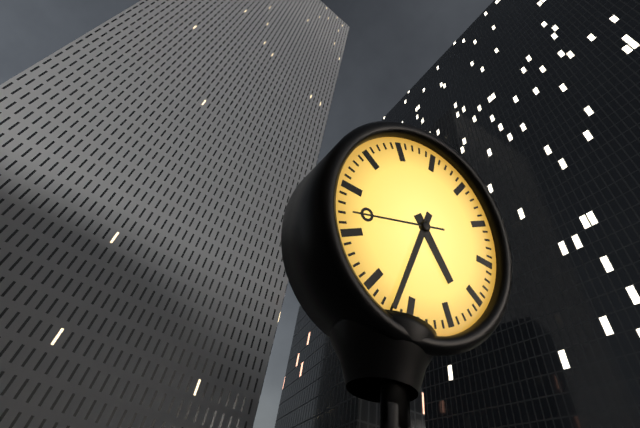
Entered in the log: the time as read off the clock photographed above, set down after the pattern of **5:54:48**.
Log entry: **4:32:42**
